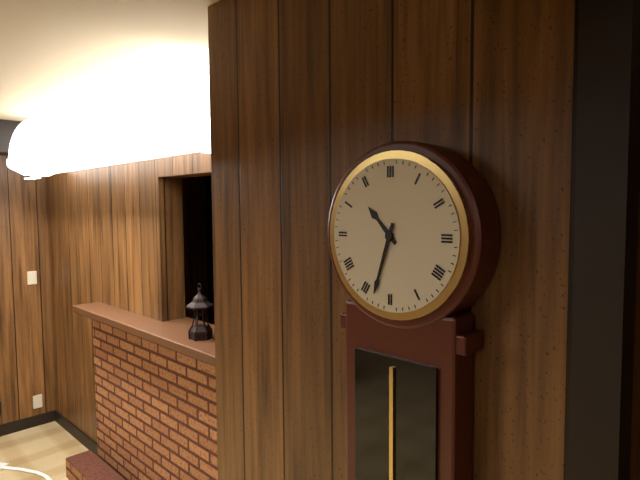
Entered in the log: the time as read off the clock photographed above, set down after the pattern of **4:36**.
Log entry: **10:33**
